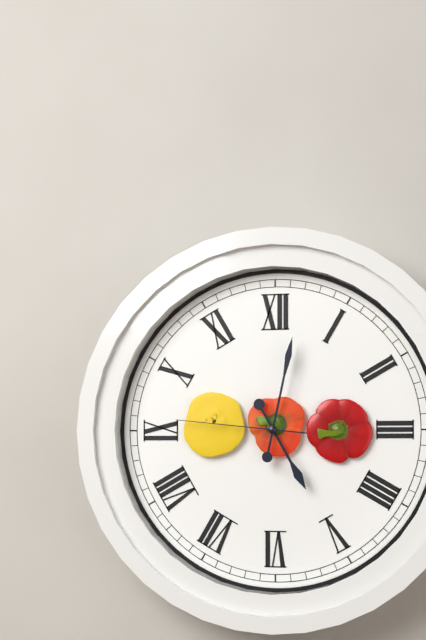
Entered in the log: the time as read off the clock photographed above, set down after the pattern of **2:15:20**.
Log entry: **5:02:46**
